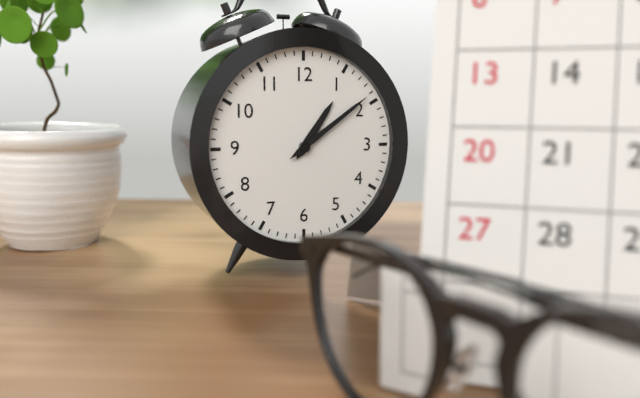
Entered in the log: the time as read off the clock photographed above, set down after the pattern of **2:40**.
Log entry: **1:09**
